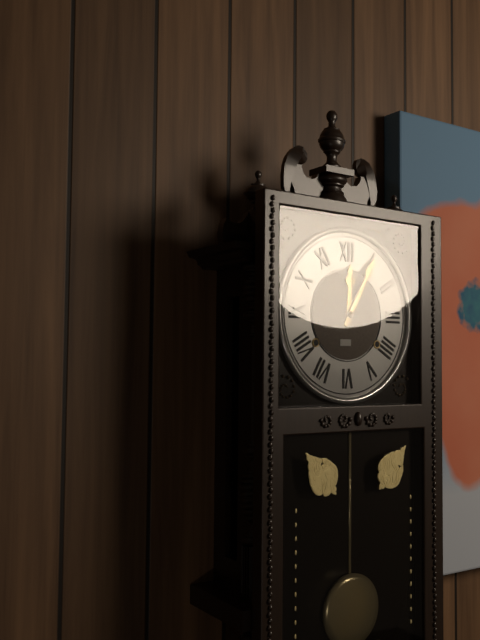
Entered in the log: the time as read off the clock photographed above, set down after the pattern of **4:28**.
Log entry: **12:05**
